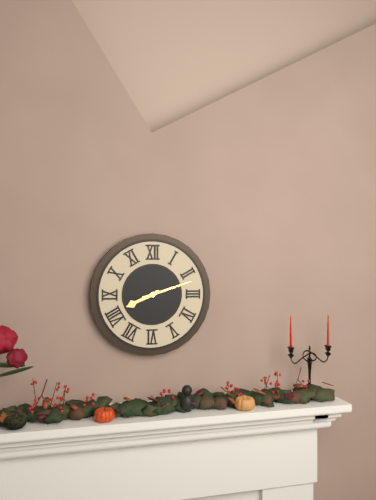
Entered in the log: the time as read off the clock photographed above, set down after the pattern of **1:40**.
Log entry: **8:12**
